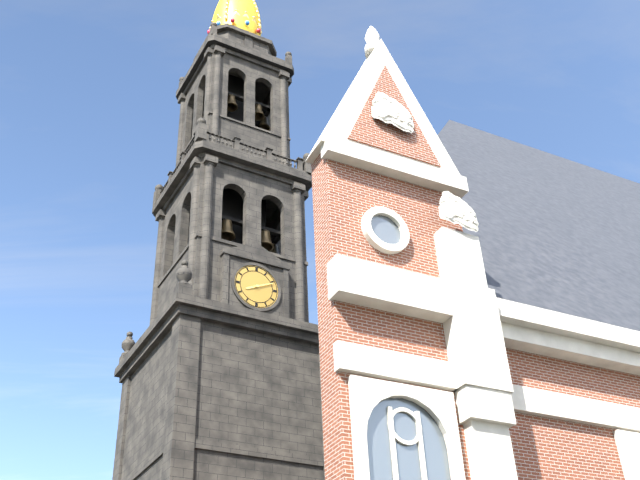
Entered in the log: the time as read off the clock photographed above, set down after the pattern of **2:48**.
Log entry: **8:11**
